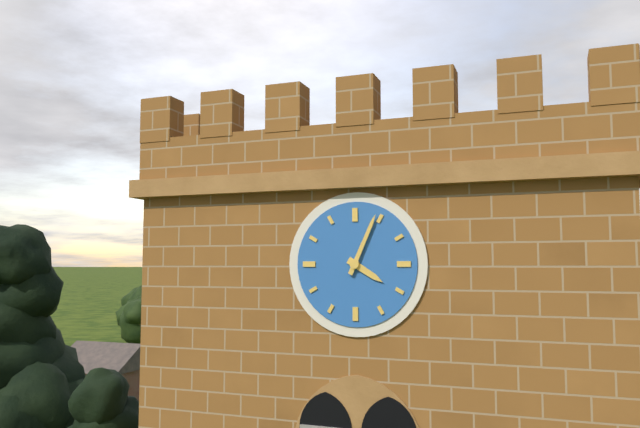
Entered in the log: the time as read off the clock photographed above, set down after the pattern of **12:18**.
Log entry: **4:04**
